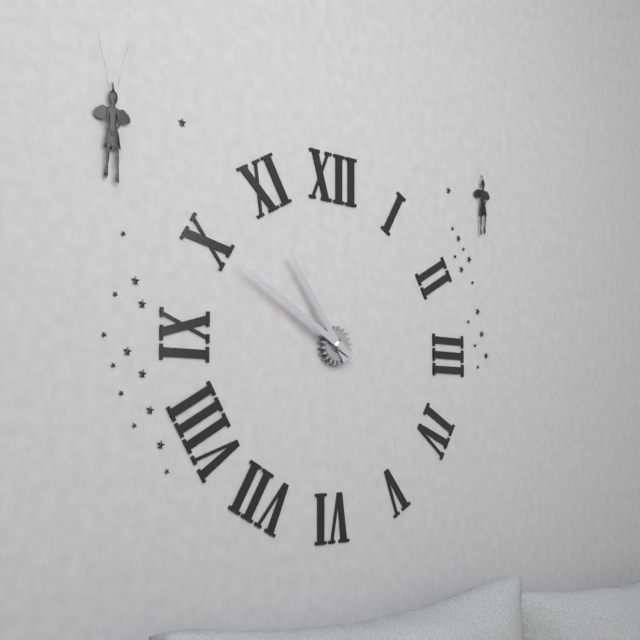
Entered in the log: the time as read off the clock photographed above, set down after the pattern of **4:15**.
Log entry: **10:50**
